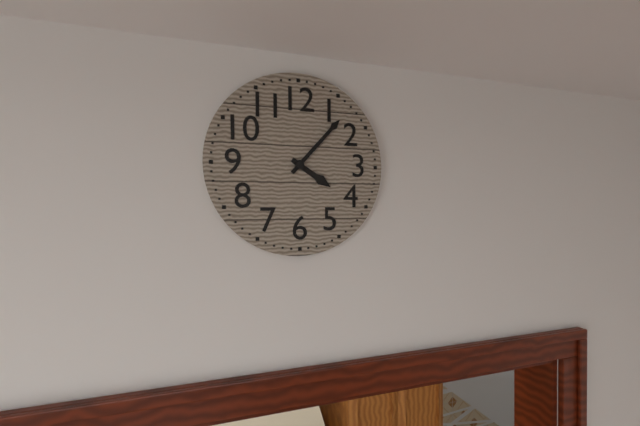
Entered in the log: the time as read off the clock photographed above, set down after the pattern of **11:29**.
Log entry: **4:07**
